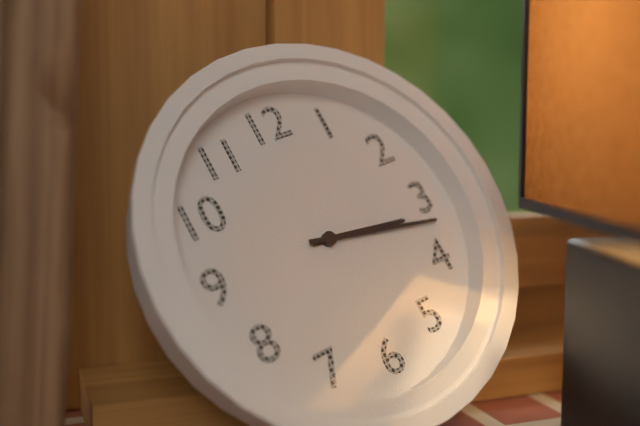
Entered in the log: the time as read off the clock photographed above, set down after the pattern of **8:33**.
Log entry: **3:17**
